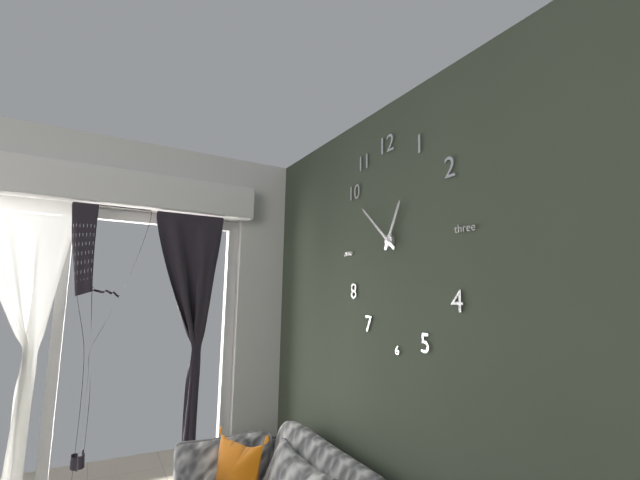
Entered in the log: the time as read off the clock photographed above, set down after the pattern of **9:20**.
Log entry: **12:52**
